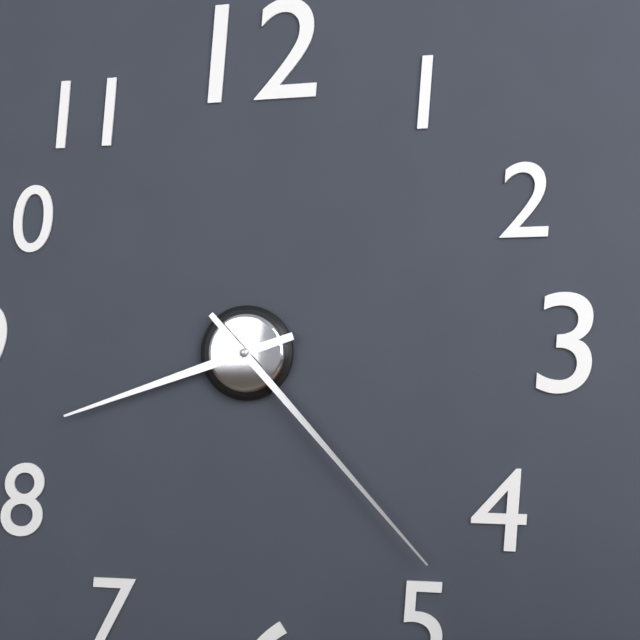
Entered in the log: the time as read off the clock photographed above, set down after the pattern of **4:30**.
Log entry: **8:23**
